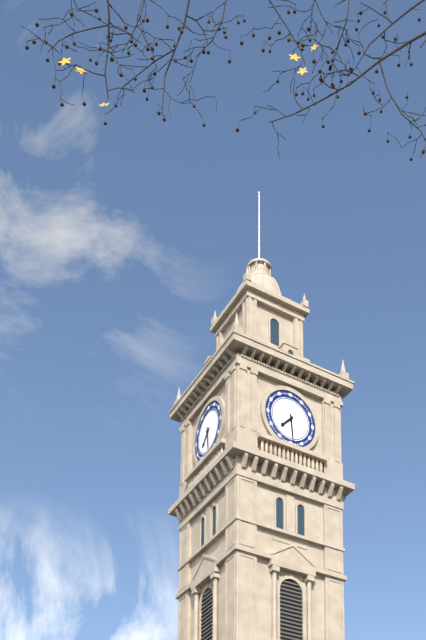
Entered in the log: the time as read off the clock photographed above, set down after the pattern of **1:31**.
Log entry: **7:29**
